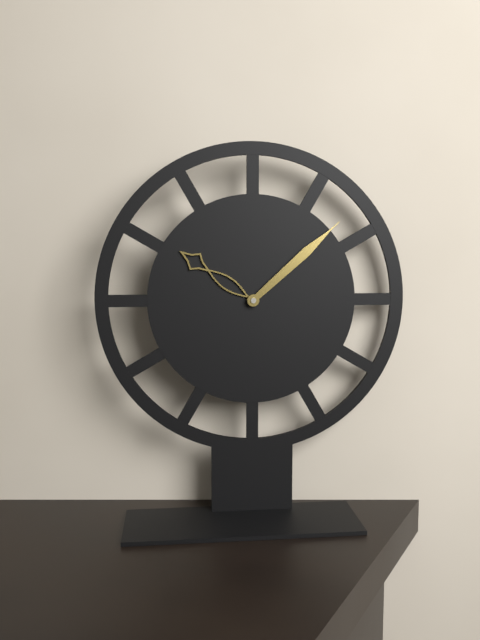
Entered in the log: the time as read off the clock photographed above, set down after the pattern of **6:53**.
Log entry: **10:08**
